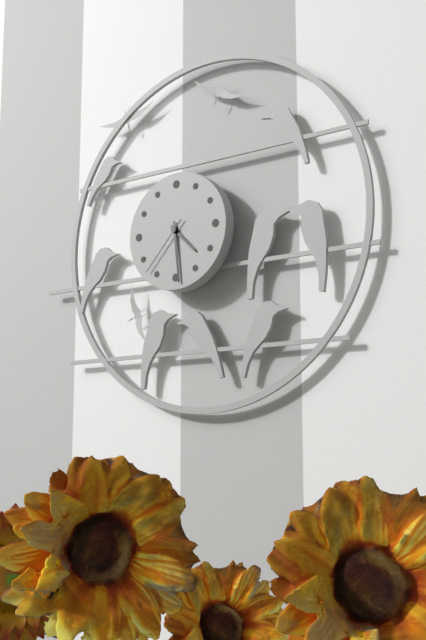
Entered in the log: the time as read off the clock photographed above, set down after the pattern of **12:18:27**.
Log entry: **4:29:37**
